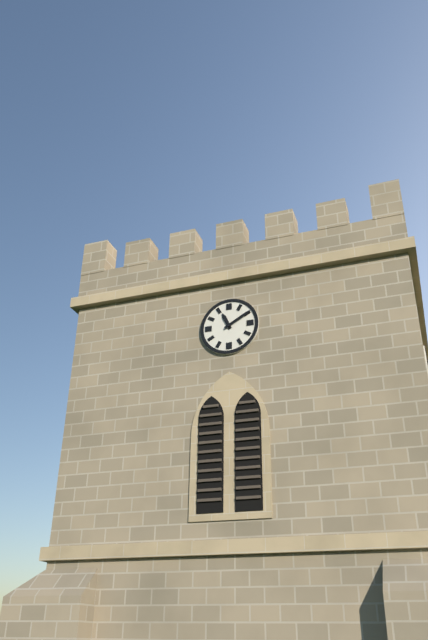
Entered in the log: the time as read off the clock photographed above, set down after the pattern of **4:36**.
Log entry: **11:10**
